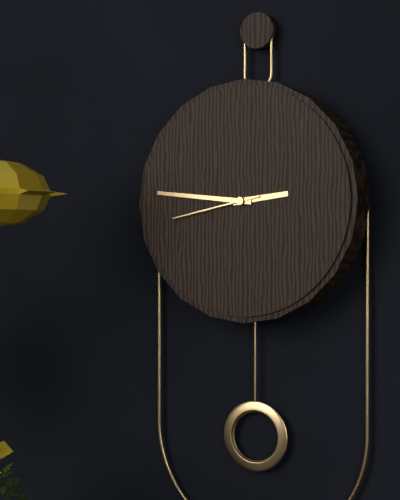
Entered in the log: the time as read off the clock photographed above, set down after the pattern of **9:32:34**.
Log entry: **2:46:43**
